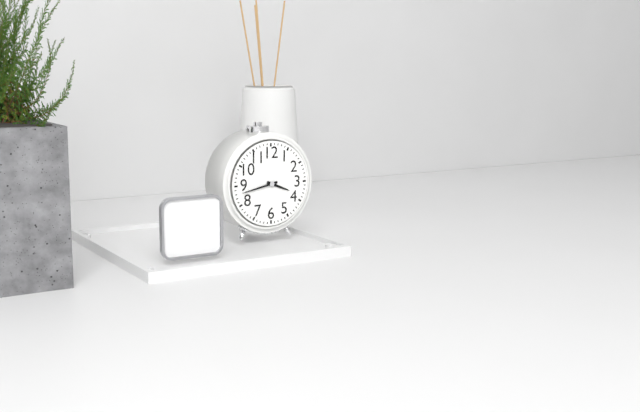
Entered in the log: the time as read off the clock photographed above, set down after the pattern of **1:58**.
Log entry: **3:43**
